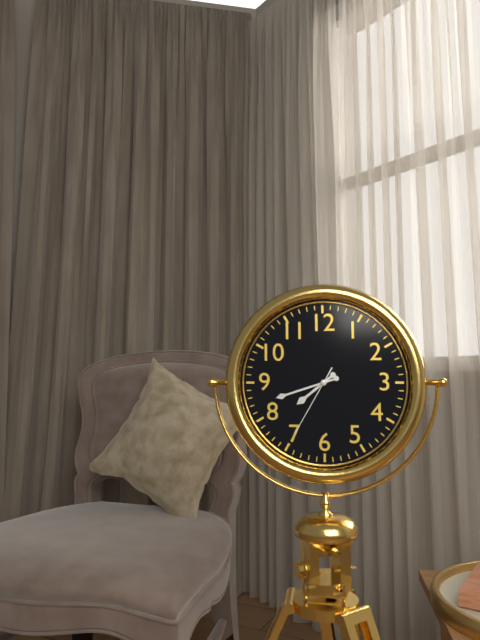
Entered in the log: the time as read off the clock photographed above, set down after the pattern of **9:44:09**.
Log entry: **7:42:35**
